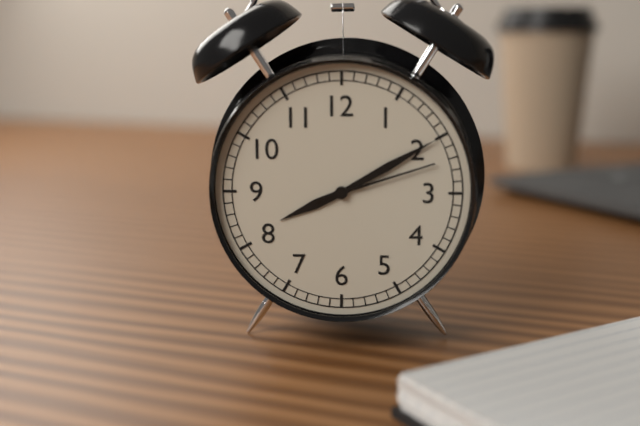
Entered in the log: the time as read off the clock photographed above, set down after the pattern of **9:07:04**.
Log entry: **8:10:12**
